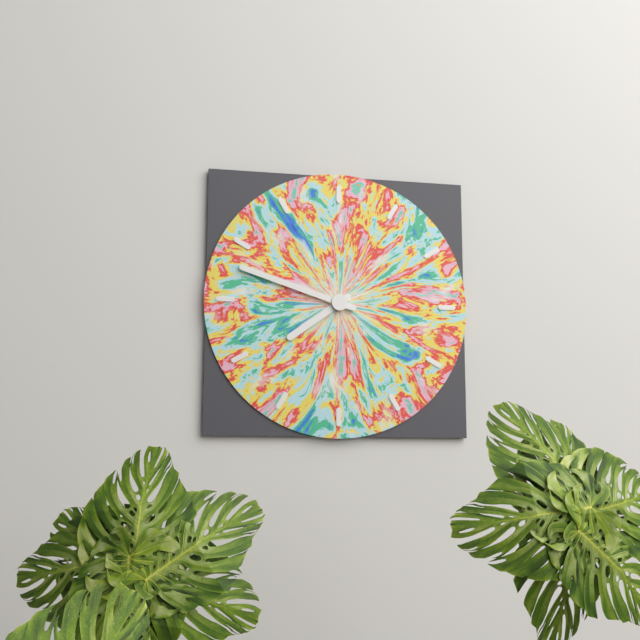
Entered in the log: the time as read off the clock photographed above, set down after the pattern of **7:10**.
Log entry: **7:48**
